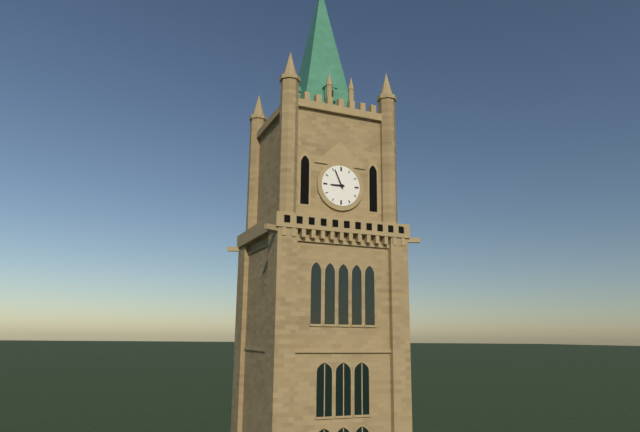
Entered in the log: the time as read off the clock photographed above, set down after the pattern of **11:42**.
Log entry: **8:56**
